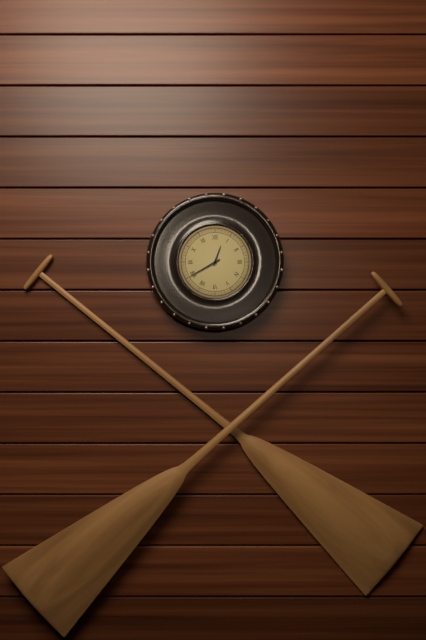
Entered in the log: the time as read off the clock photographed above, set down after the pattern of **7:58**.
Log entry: **12:40**
